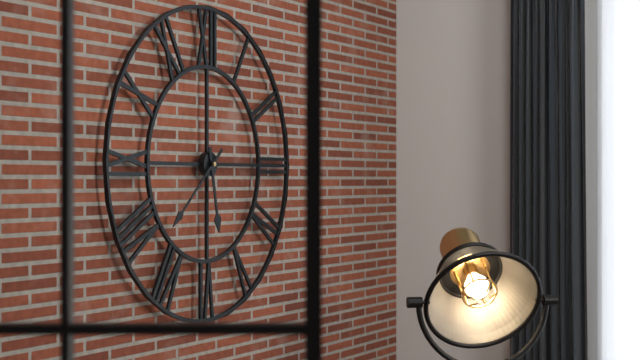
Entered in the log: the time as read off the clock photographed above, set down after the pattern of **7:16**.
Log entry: **5:38**
